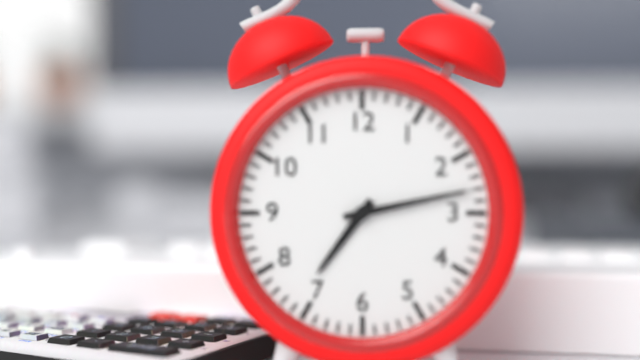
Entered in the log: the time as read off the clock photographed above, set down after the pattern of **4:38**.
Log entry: **7:13**
